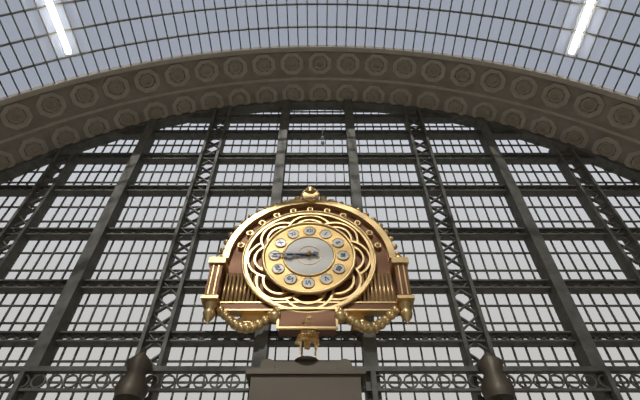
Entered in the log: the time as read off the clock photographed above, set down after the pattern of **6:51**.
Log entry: **8:45**
